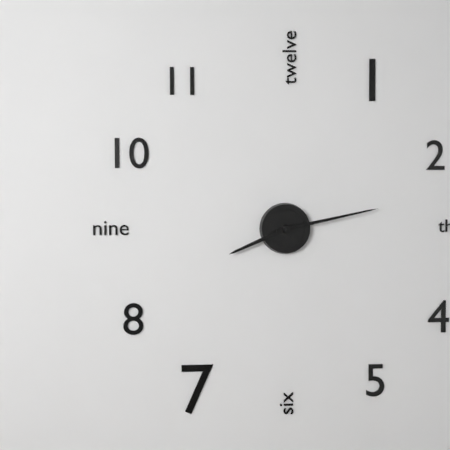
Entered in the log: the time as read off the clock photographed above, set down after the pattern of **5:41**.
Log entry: **8:13**
